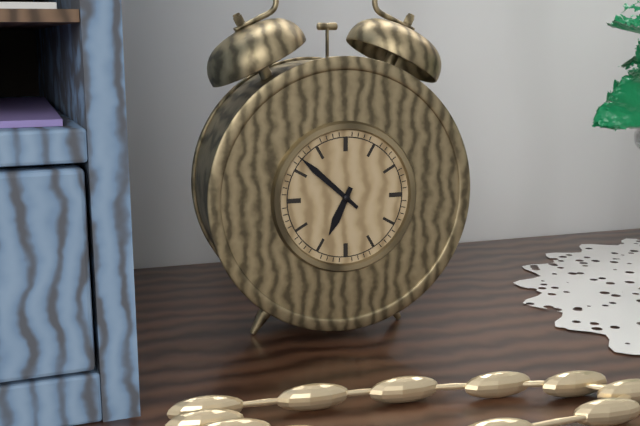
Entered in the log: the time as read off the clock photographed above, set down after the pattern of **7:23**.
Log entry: **6:52**
